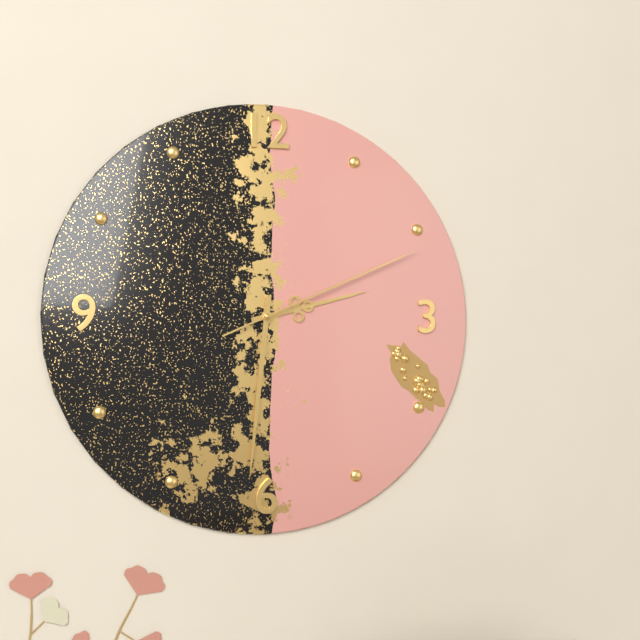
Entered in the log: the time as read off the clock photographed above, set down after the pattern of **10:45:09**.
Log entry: **2:31:11**
